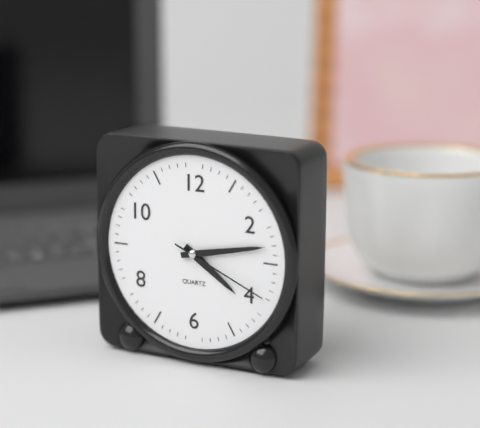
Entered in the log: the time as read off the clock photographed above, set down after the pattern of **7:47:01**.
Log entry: **4:13:19**
